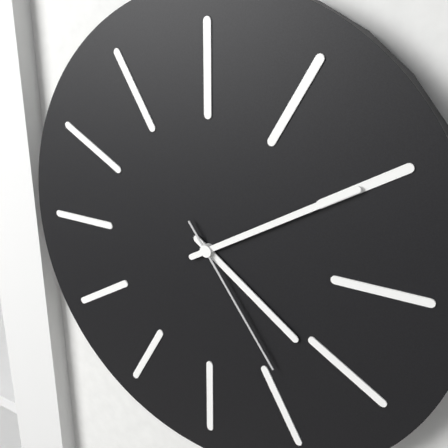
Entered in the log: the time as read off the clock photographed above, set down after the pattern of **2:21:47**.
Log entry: **4:10:24**
